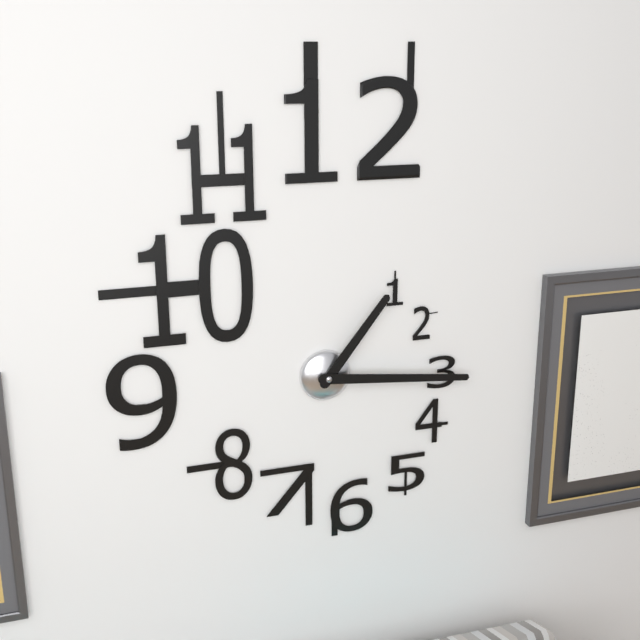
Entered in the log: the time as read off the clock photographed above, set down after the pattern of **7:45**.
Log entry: **1:16**
